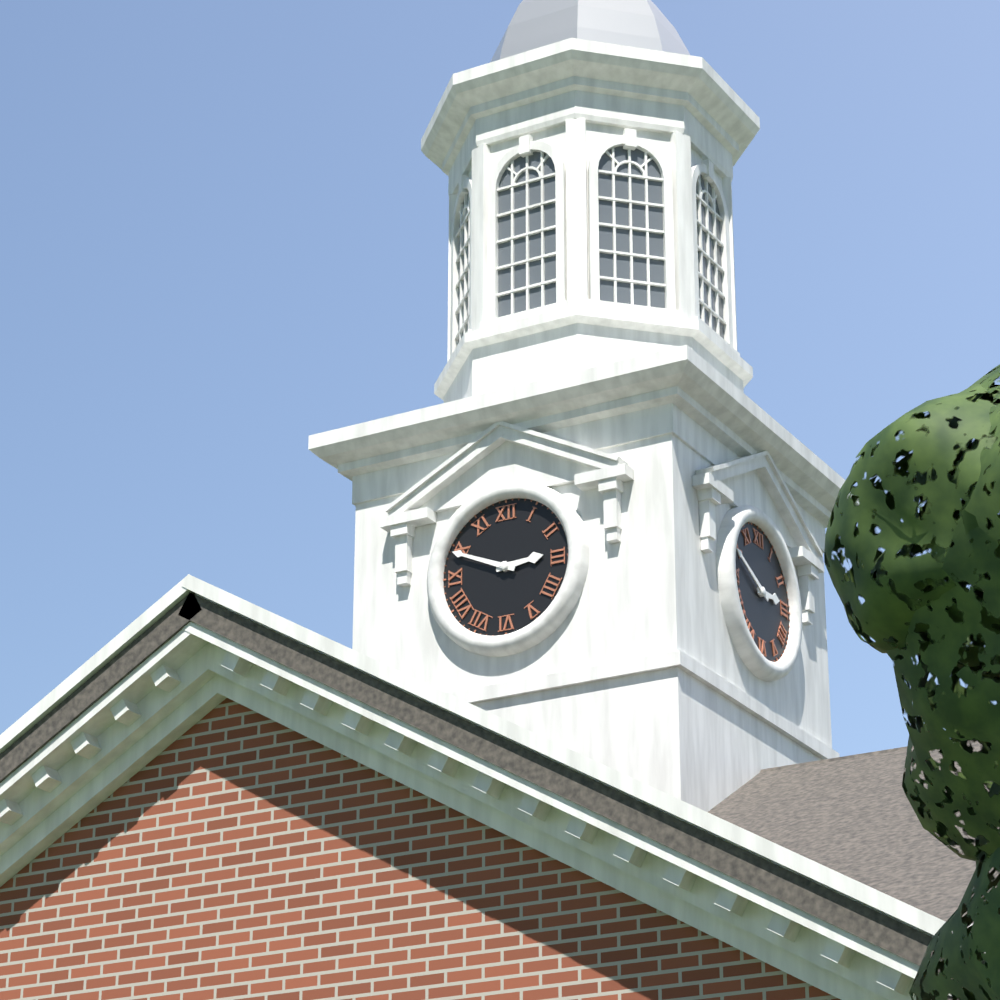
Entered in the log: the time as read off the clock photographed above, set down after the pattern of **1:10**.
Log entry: **2:49**
